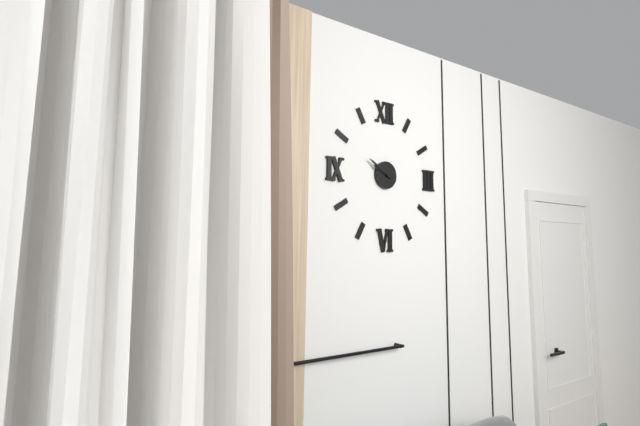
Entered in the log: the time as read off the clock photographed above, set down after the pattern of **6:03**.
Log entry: **9:50**
